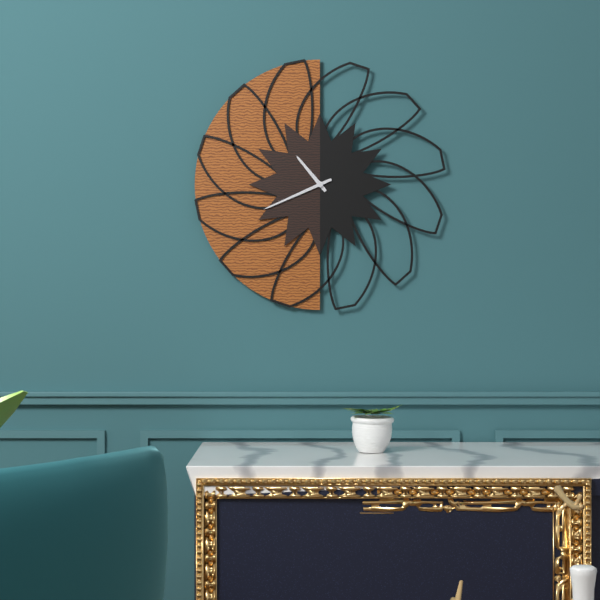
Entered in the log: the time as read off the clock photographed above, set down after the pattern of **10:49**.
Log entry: **10:41**
